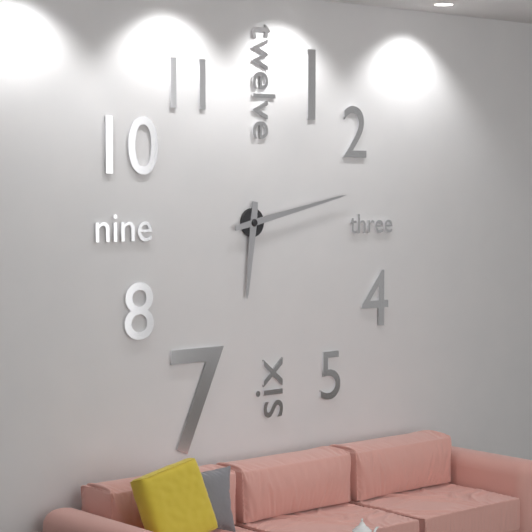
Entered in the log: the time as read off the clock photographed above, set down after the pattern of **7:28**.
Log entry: **6:13**
